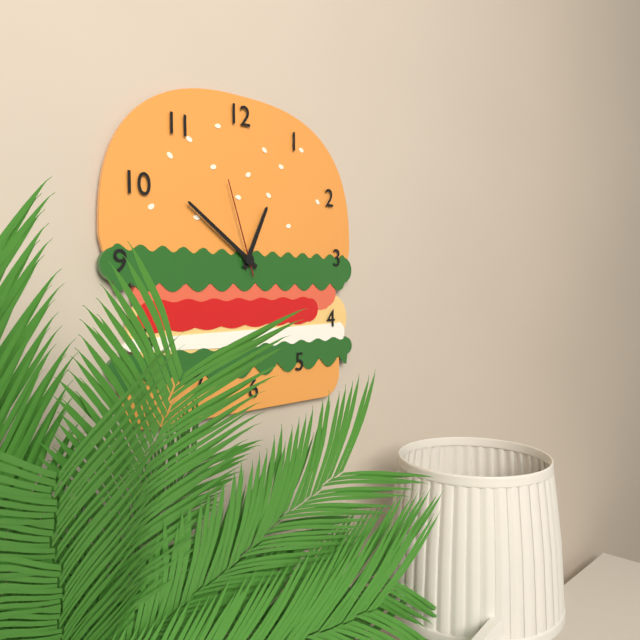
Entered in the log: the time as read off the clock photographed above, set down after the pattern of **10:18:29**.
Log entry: **12:51:57**
